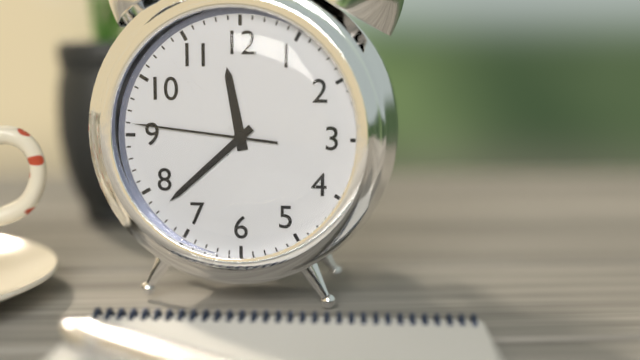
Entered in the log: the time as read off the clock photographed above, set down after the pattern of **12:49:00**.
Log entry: **11:38:46**
